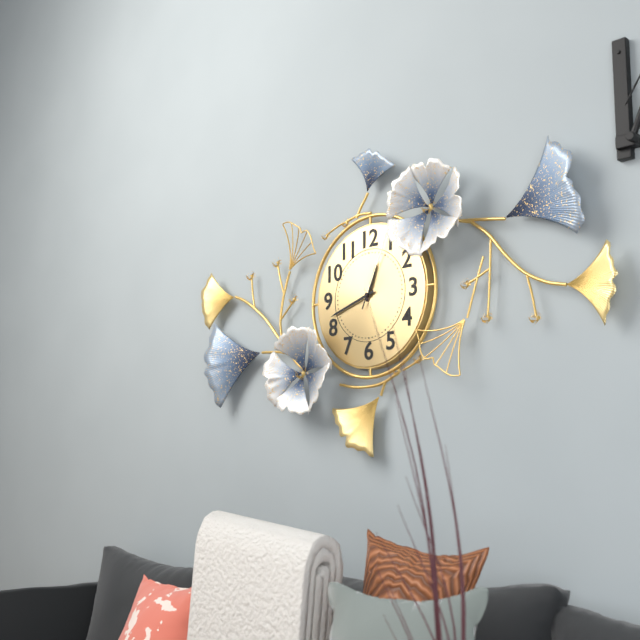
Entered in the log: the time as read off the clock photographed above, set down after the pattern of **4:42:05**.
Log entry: **12:42:04**
